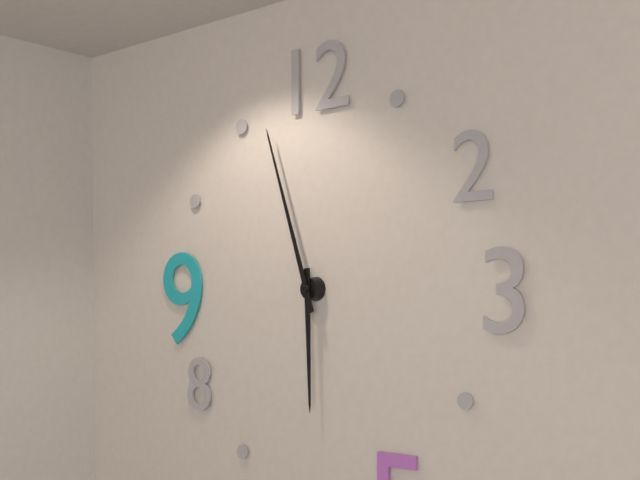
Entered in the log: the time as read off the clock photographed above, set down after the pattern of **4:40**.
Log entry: **5:57**
